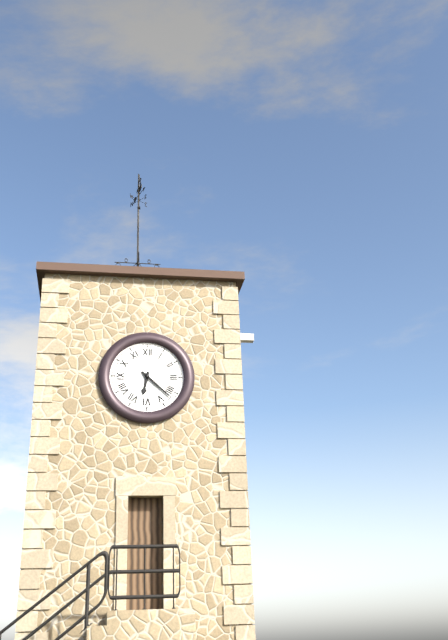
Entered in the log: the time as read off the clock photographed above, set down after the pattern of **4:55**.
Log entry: **6:22**
